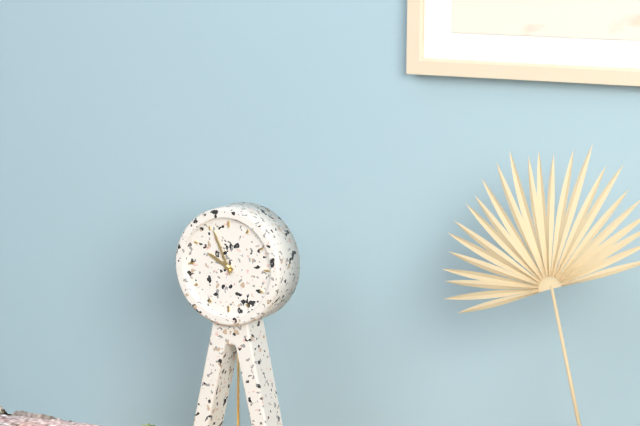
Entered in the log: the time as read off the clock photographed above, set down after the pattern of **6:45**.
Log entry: **9:56**
